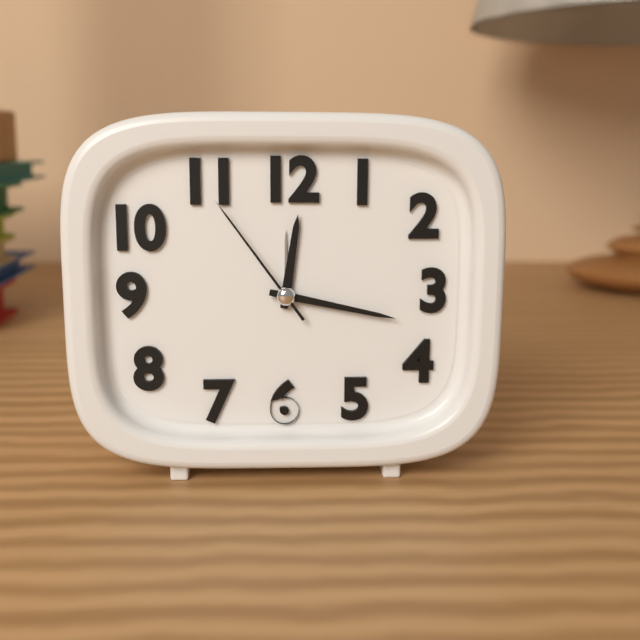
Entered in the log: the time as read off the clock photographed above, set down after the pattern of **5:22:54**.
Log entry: **12:17:54**
